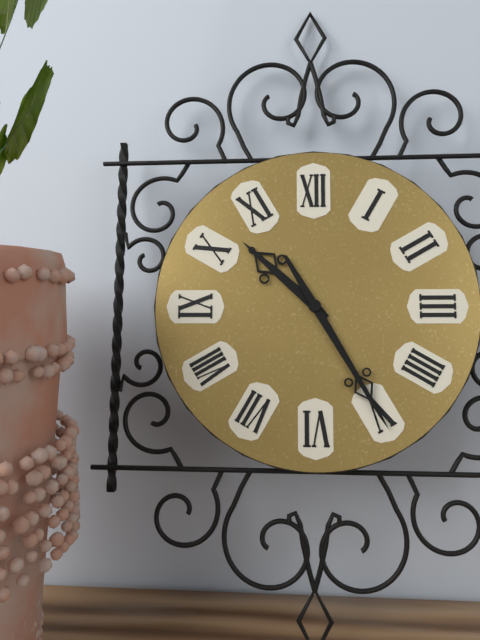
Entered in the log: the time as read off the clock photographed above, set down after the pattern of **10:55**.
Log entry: **10:25**
